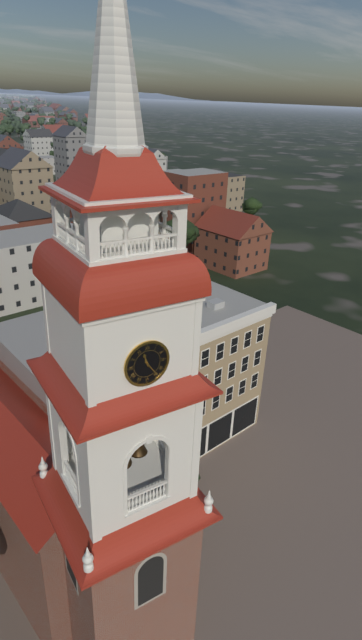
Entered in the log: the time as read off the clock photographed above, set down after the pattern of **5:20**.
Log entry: **11:24**
